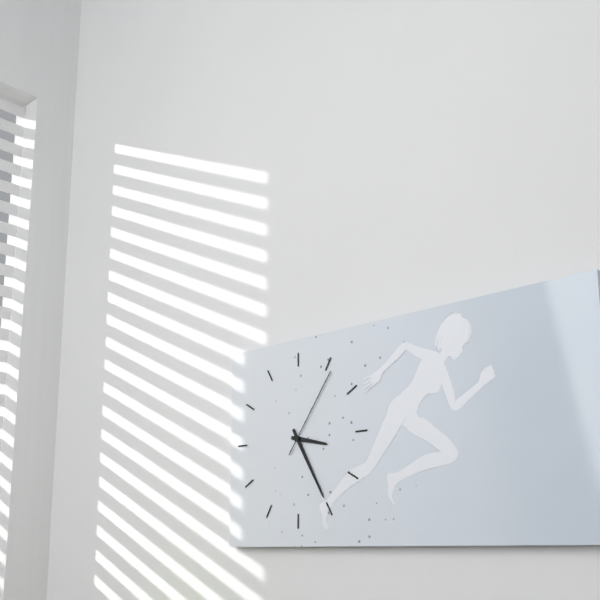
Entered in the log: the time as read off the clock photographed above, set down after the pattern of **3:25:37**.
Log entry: **3:25:06**
